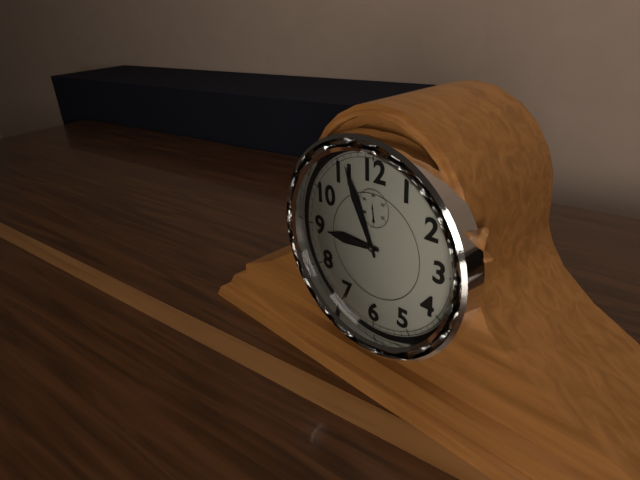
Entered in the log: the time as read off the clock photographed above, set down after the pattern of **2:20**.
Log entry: **8:56**
